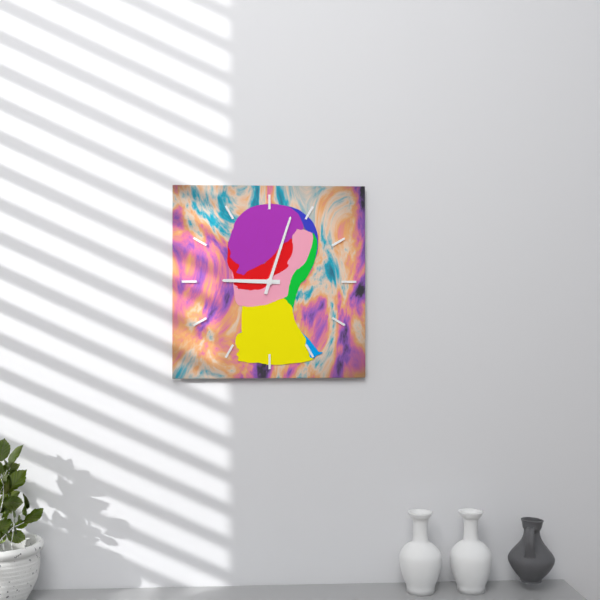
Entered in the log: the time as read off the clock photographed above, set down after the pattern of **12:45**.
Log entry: **9:03**
